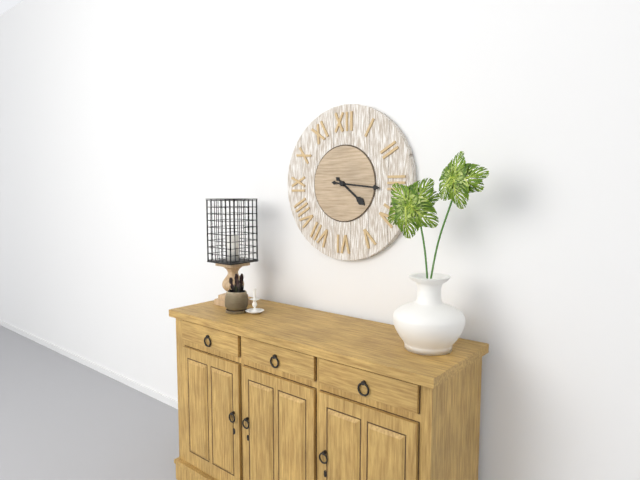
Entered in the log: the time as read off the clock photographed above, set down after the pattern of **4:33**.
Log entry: **4:16**
